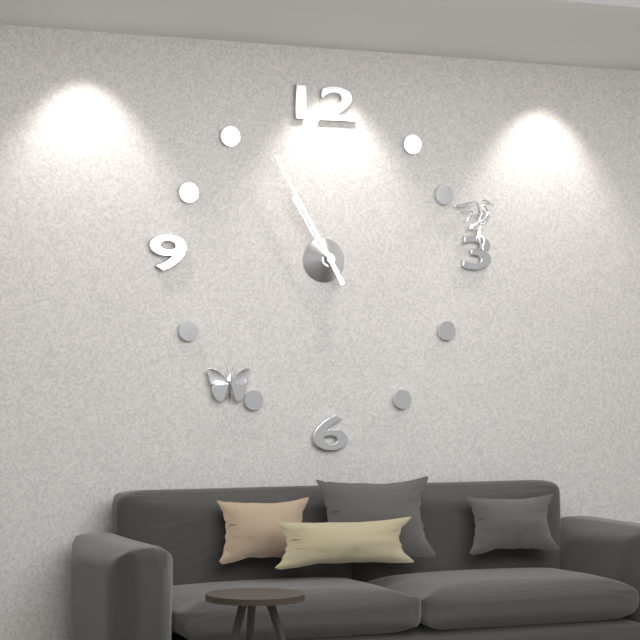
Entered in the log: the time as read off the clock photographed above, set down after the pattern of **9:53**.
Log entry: **10:55**
